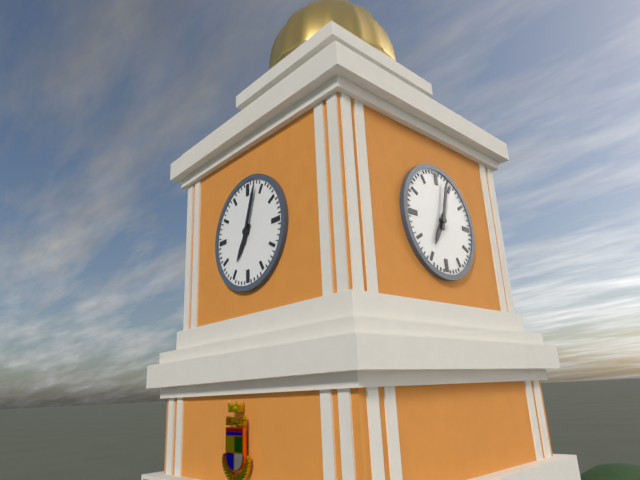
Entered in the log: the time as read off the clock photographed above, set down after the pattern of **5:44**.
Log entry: **7:03**
